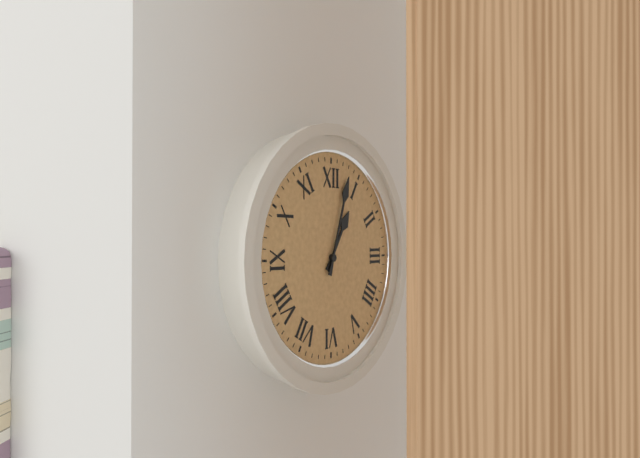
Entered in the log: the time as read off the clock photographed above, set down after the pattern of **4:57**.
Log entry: **1:03**
